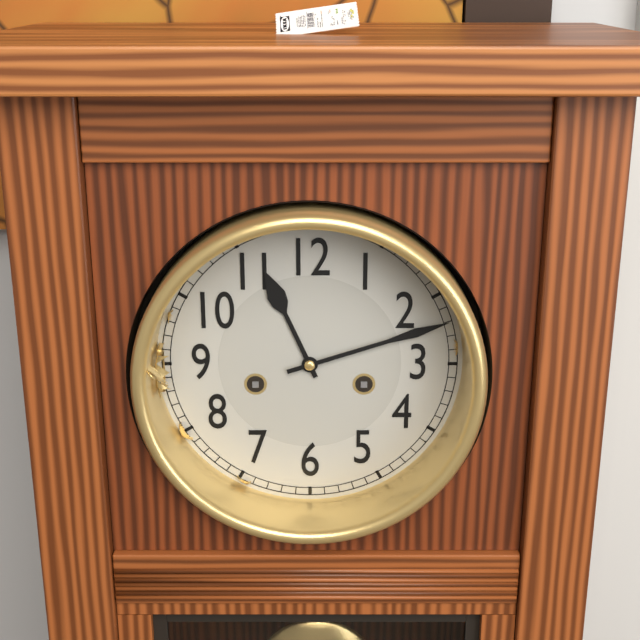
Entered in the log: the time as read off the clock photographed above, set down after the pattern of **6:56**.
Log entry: **11:12**
